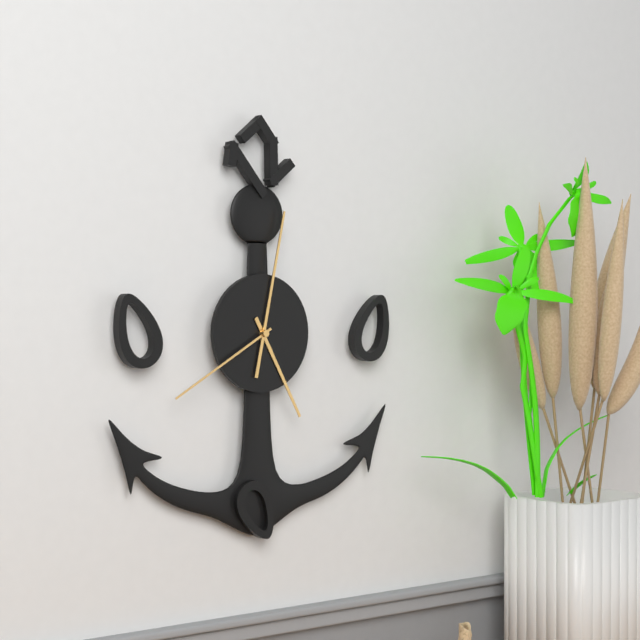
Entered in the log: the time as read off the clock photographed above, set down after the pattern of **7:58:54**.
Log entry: **5:02:40**
